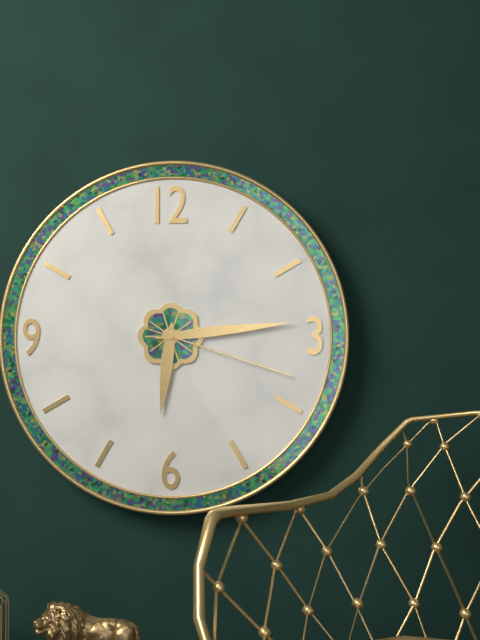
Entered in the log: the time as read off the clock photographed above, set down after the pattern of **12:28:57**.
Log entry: **6:14:18**
